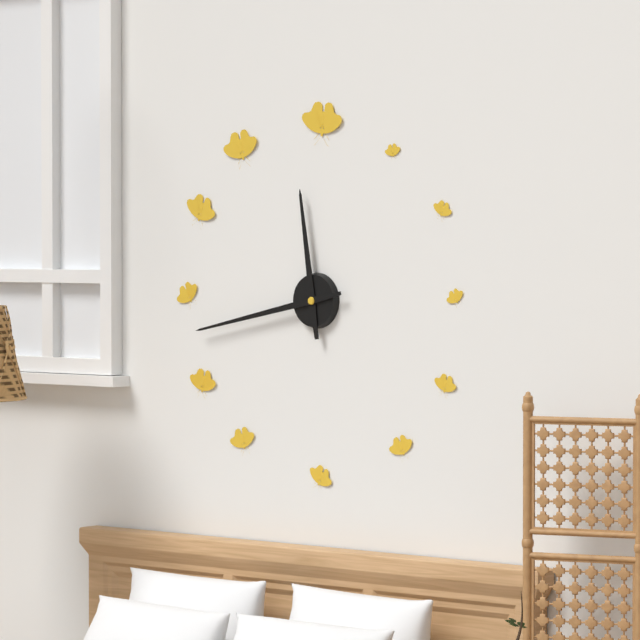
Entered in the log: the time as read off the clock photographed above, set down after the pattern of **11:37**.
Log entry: **11:43**
